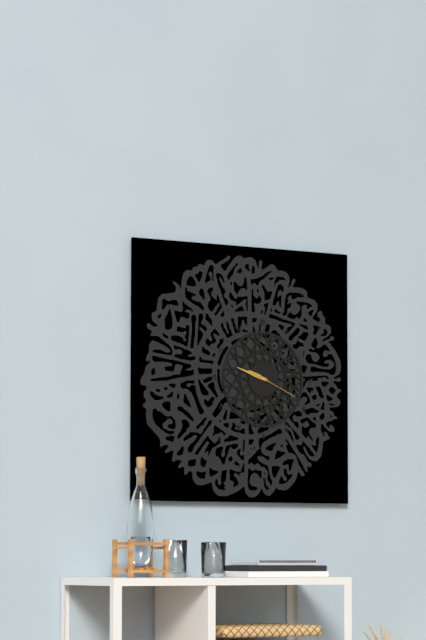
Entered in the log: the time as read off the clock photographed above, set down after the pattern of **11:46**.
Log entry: **9:48**
